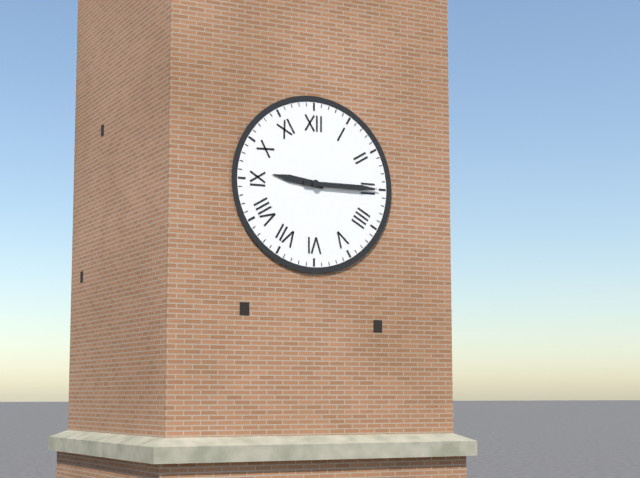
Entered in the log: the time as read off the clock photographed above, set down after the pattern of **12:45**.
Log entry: **9:15**
